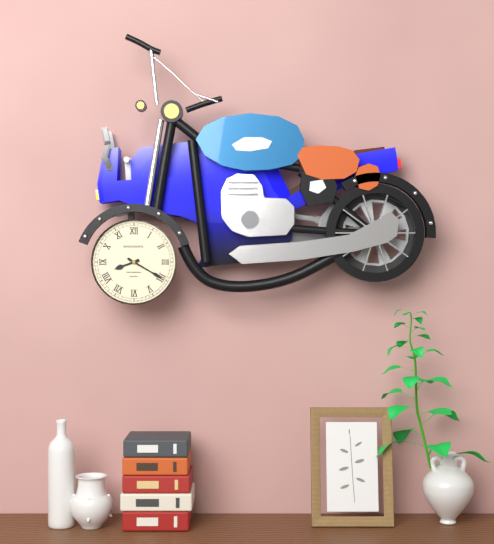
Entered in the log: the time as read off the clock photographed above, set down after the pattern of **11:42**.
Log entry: **8:20**
